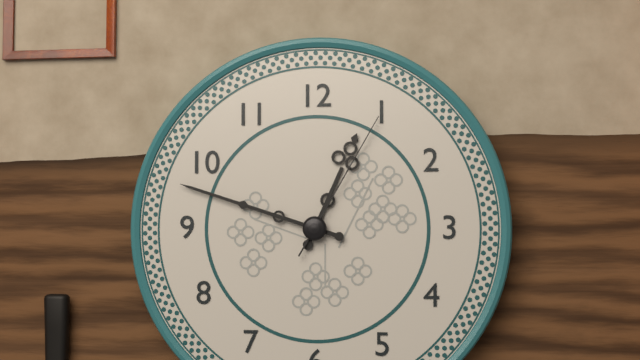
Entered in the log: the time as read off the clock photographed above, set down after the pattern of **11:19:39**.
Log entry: **12:48:05**
